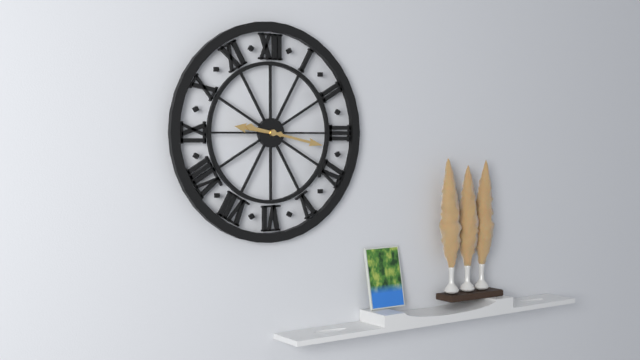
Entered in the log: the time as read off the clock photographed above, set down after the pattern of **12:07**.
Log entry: **9:17**
